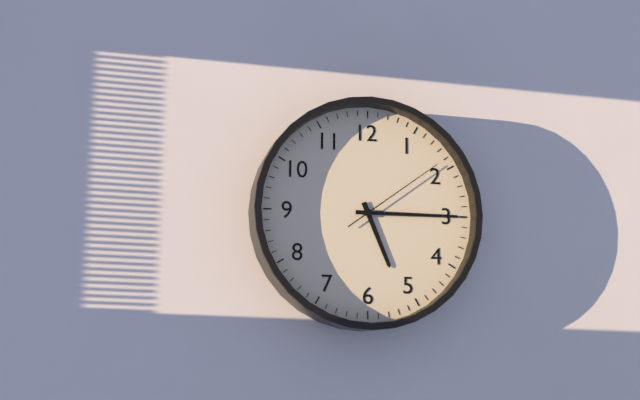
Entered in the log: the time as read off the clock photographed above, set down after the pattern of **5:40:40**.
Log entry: **5:15:09**
